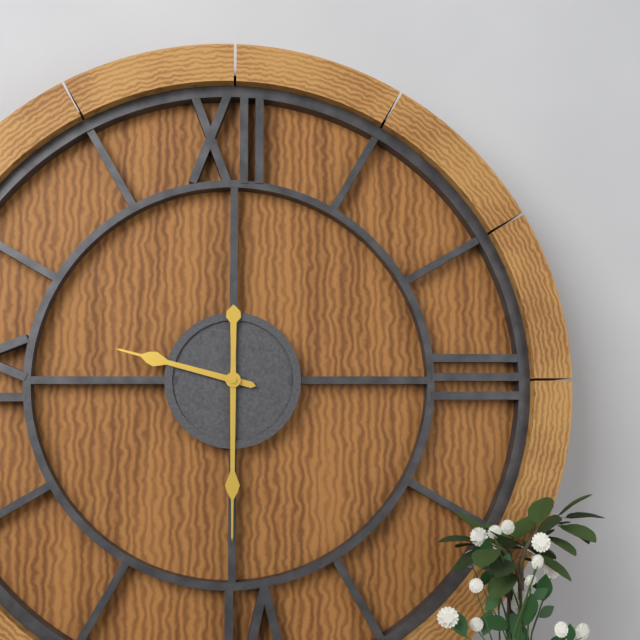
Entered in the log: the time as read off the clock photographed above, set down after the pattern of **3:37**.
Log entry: **9:30**
